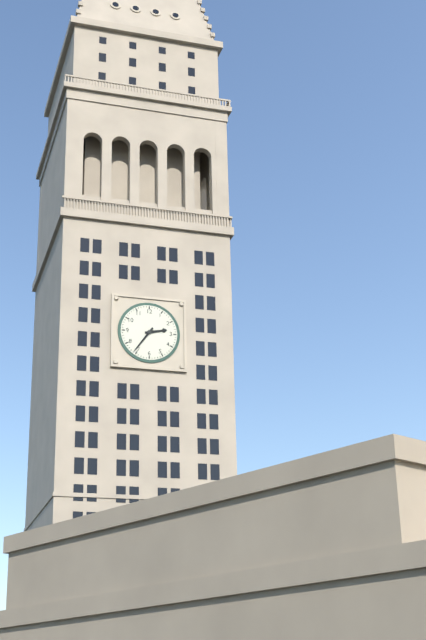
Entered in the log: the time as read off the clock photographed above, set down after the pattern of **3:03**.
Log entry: **2:36**
